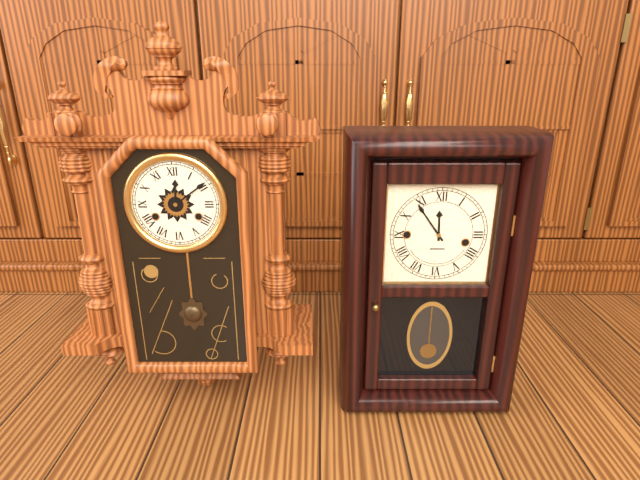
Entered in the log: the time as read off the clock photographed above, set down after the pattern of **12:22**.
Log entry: **12:09**
